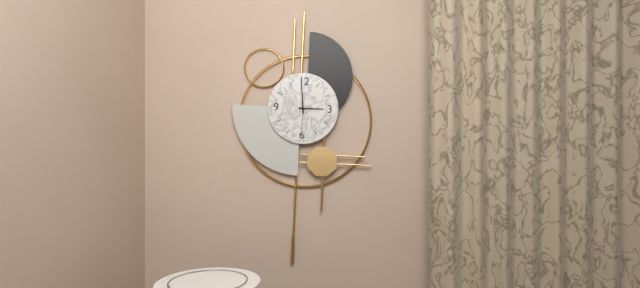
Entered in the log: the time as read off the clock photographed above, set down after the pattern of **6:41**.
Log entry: **2:59**
